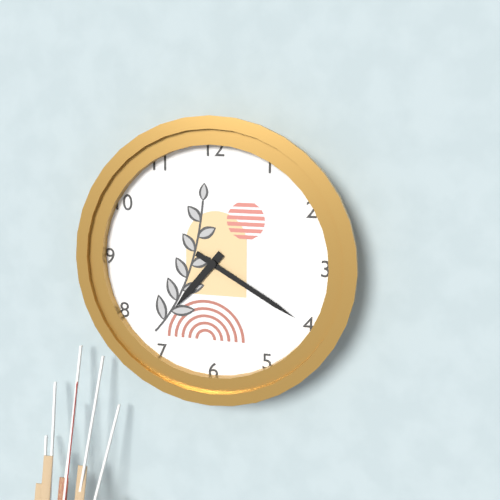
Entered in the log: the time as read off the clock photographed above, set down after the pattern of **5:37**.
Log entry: **7:20**
